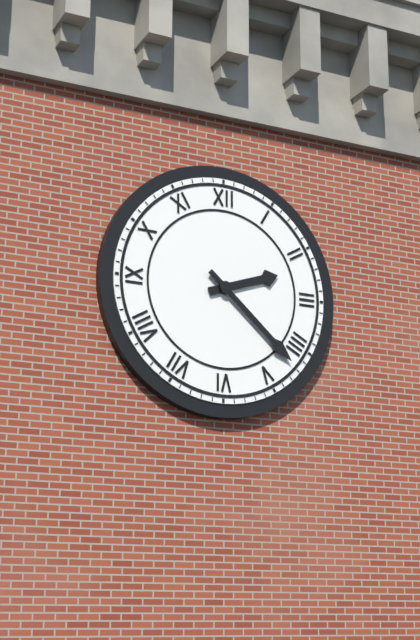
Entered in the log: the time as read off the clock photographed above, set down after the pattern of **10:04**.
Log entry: **2:22**
